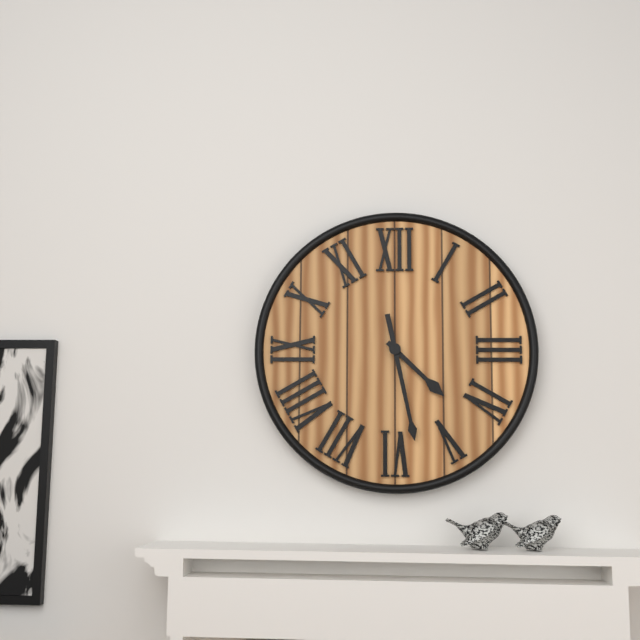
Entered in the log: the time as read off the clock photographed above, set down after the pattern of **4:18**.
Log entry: **4:28**
